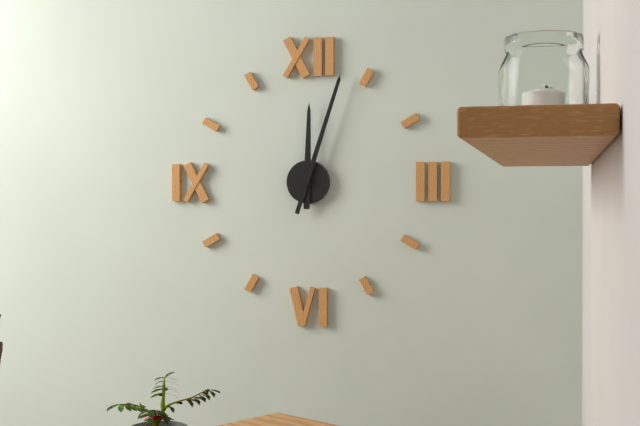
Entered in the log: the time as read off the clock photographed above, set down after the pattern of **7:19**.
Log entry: **12:03**
